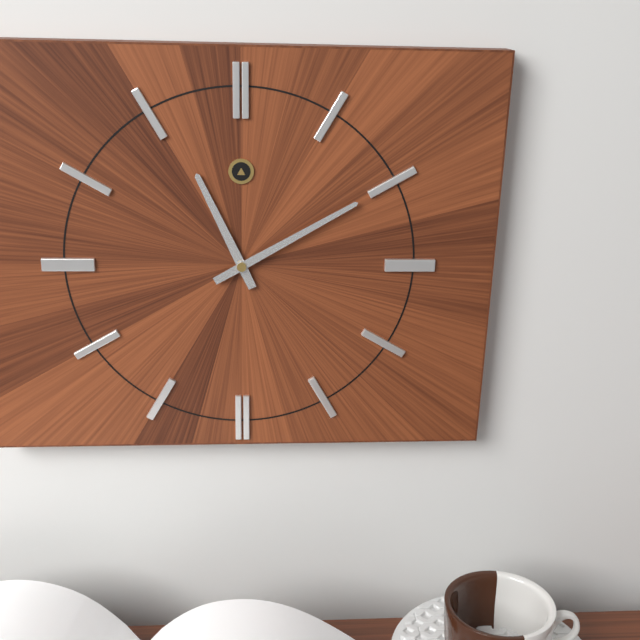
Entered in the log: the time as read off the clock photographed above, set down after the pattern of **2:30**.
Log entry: **11:10**
